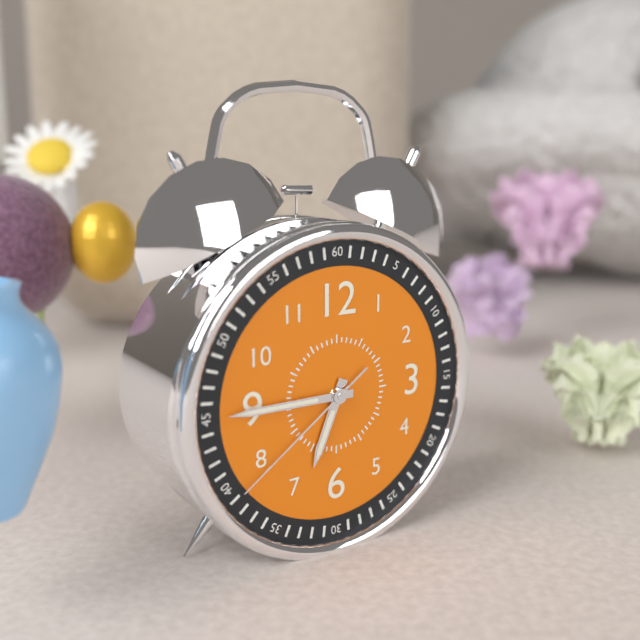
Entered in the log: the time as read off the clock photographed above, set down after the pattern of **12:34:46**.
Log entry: **6:45:39**
